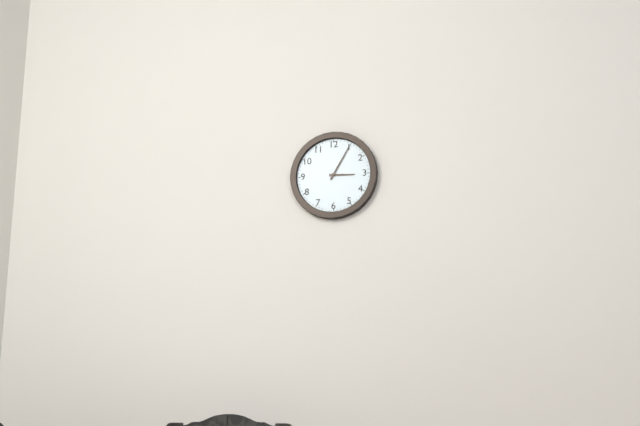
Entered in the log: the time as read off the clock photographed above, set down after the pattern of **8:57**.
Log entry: **3:05**
